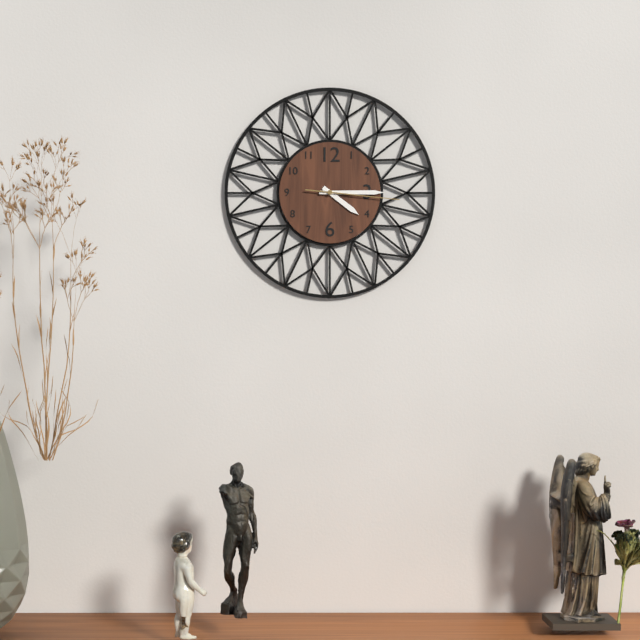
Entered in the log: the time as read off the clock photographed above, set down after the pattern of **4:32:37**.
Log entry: **4:15:16**
